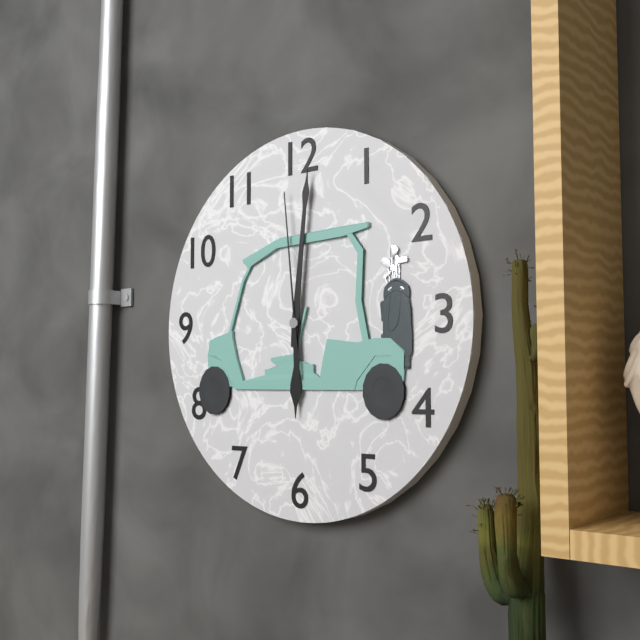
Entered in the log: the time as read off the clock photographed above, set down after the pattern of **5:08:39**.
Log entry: **6:01:59**
